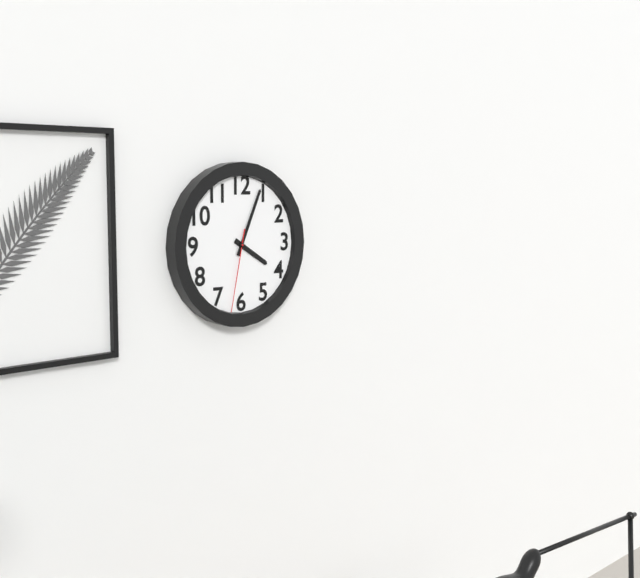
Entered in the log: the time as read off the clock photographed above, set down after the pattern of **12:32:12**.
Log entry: **4:04:32**
